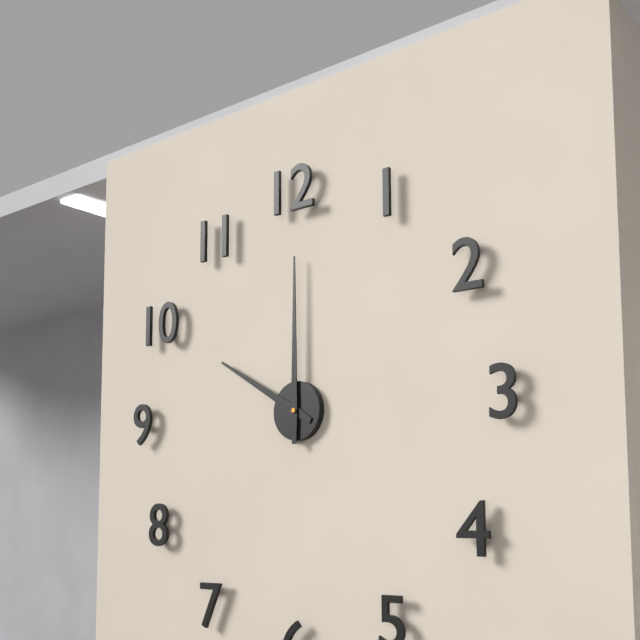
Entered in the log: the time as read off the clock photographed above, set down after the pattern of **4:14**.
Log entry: **10:00**
